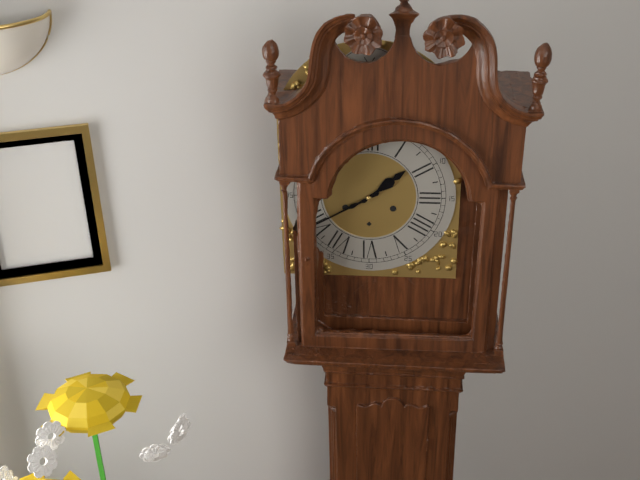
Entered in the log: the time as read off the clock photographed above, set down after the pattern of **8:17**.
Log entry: **1:40**
